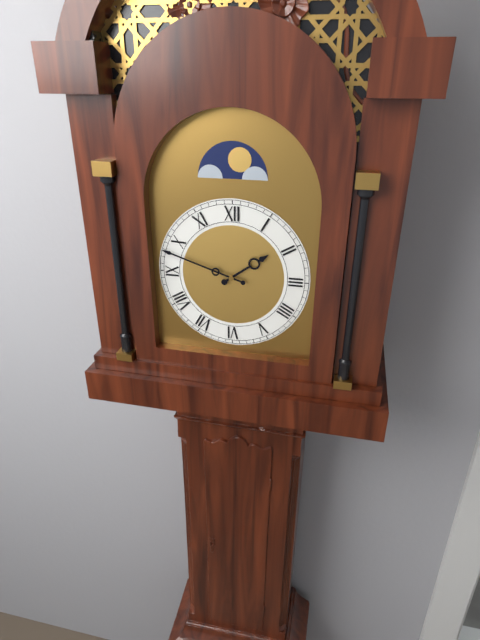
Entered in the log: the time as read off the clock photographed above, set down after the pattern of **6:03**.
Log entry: **1:48**
